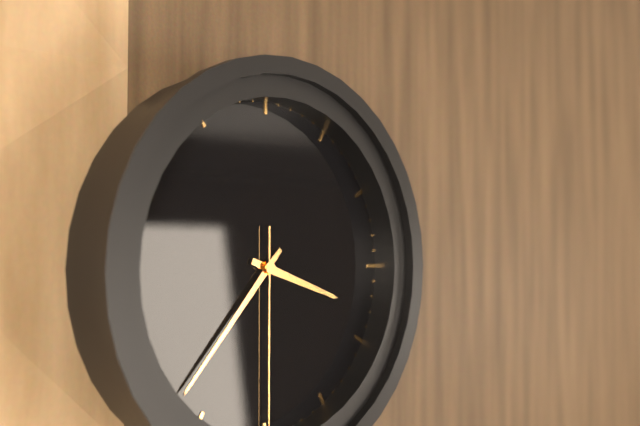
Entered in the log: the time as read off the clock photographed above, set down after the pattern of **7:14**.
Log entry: **3:37**
